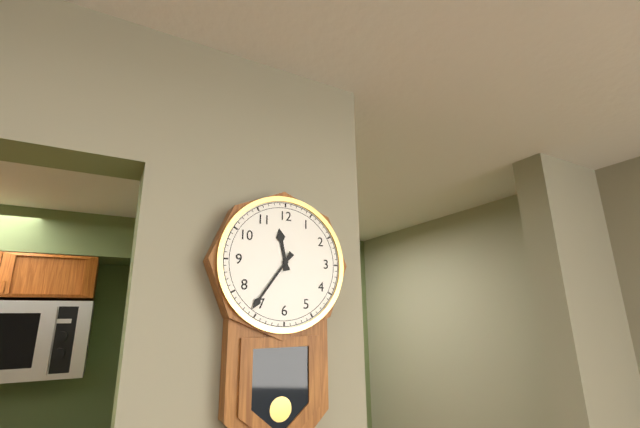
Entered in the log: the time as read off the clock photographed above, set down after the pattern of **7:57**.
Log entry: **11:36**
